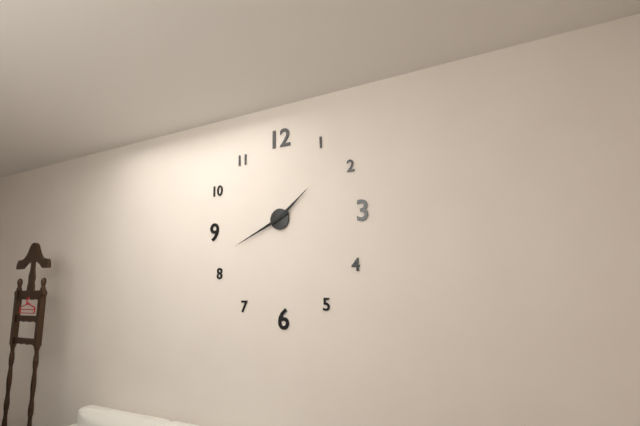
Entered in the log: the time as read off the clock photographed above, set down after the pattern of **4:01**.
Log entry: **1:41**
